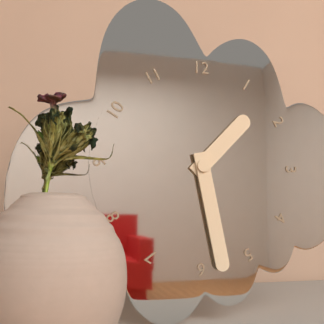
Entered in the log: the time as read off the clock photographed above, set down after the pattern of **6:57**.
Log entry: **1:28**
